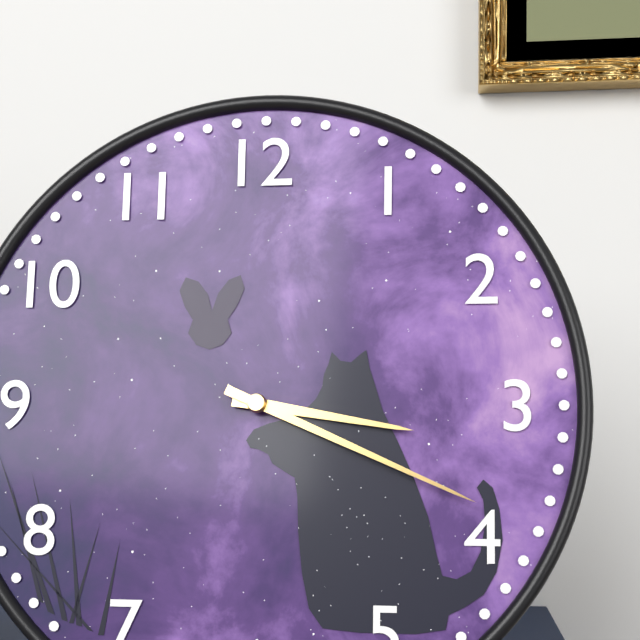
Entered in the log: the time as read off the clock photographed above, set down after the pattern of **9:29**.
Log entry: **3:19**
